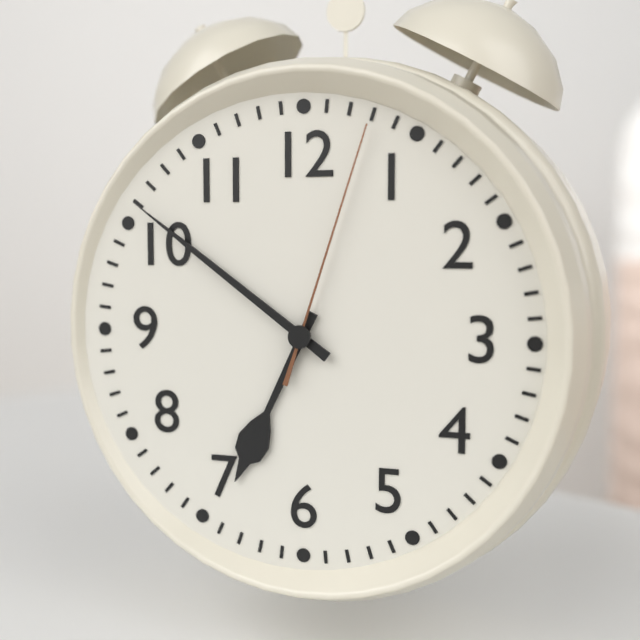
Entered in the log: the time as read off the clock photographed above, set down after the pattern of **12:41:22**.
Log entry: **6:51:03**
